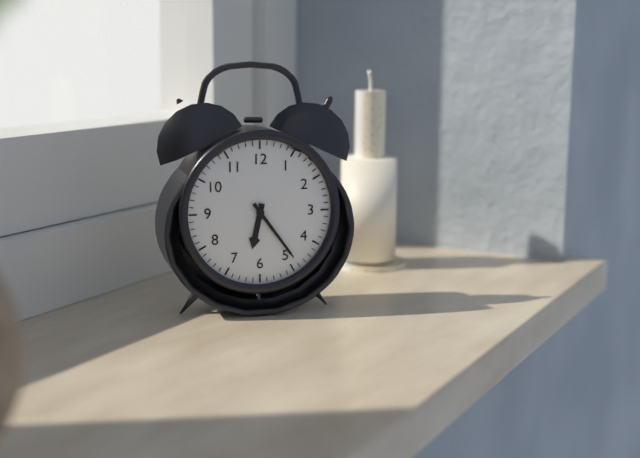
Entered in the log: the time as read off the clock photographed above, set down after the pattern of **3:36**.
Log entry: **6:24**
